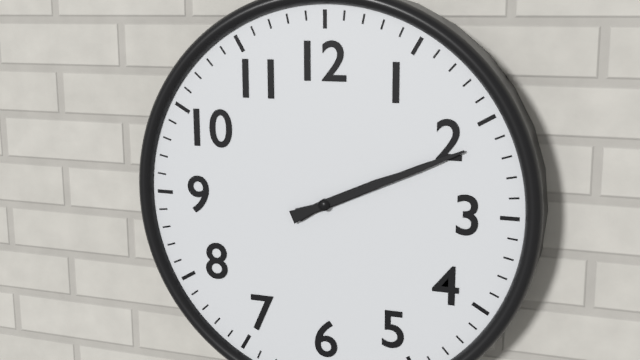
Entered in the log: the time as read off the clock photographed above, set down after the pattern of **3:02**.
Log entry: **2:11**
